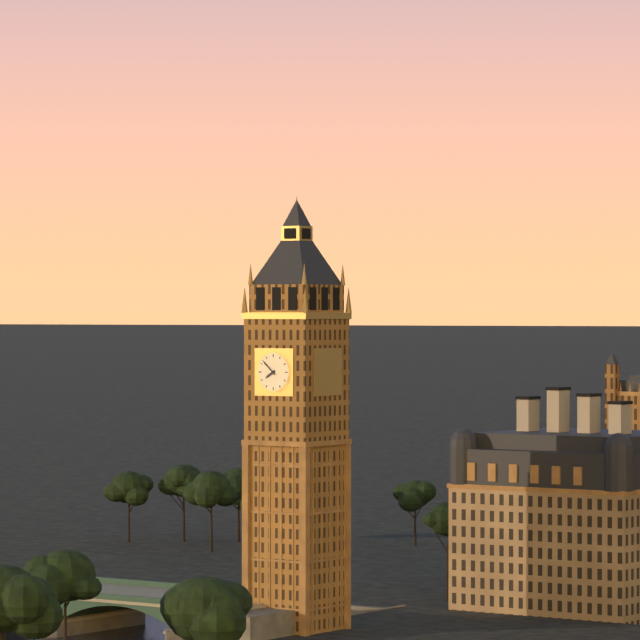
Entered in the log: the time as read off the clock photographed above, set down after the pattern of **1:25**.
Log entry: **7:52**
